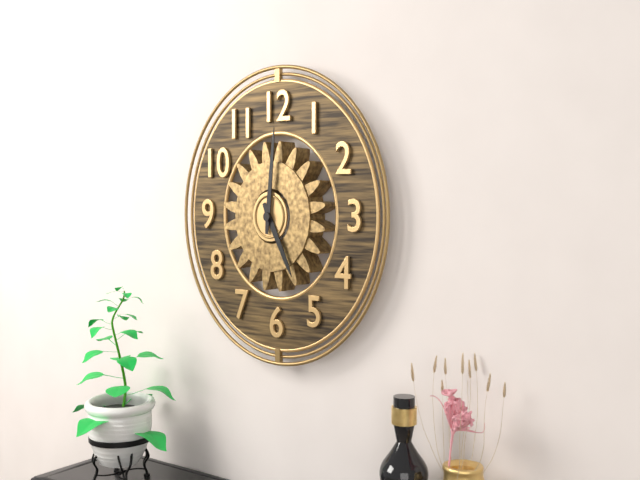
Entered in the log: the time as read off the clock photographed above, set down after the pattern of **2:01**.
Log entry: **5:01**
